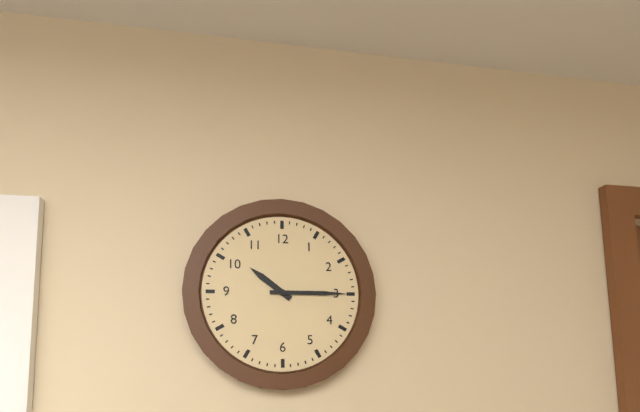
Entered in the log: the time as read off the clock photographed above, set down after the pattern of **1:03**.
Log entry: **10:15**
